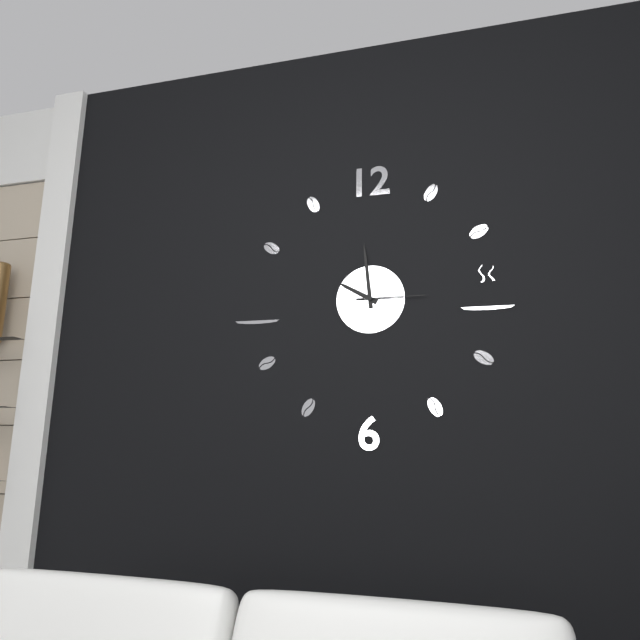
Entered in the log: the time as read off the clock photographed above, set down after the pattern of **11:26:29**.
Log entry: **9:59:15**
